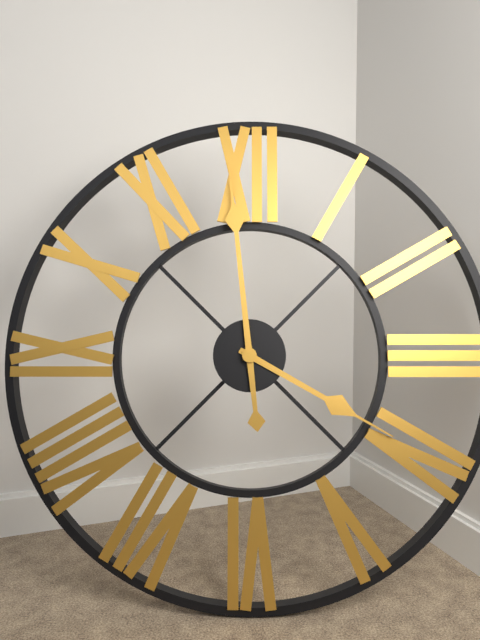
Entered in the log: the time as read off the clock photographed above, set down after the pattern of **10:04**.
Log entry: **3:59**
